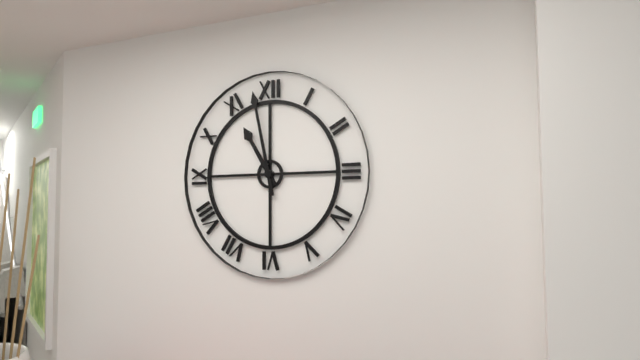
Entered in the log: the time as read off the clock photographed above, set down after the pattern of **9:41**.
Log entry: **10:58**
